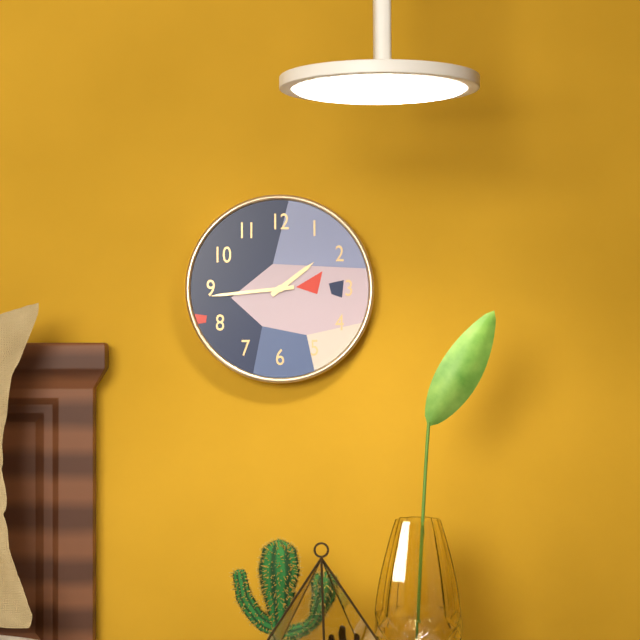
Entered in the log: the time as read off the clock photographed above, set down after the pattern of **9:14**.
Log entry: **1:44**
